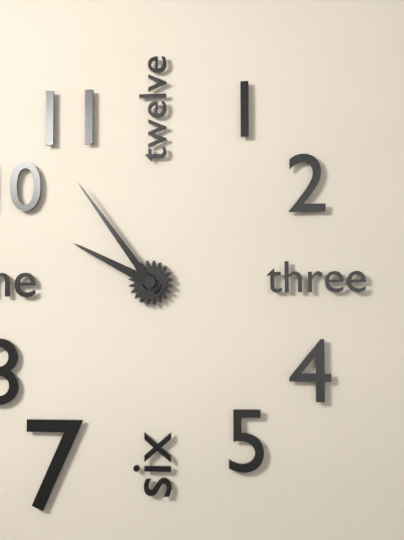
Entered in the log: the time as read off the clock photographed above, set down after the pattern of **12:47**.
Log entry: **9:54**
